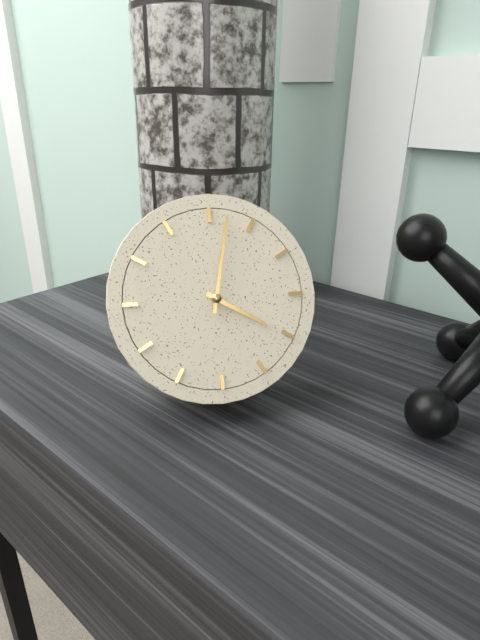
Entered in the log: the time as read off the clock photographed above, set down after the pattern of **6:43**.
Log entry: **4:02**
